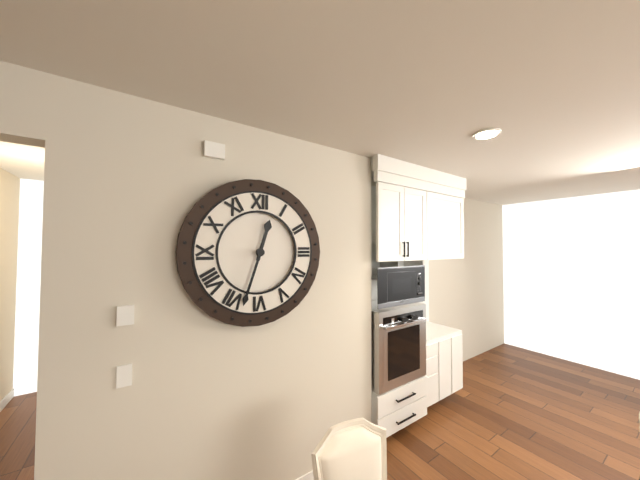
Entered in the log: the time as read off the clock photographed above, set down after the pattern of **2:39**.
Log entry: **12:33**
